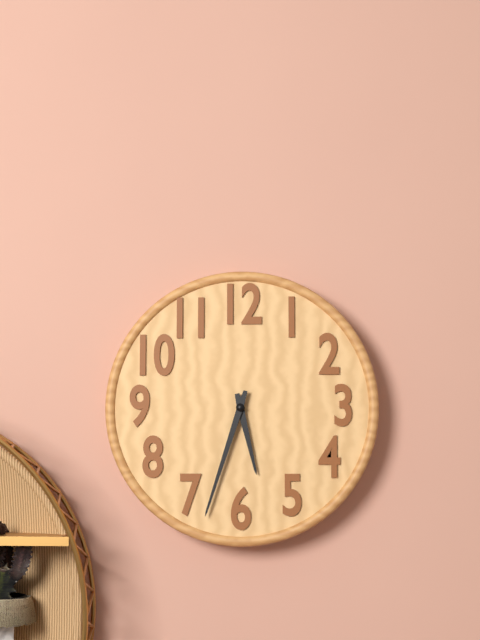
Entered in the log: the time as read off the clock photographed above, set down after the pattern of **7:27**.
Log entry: **5:33**
